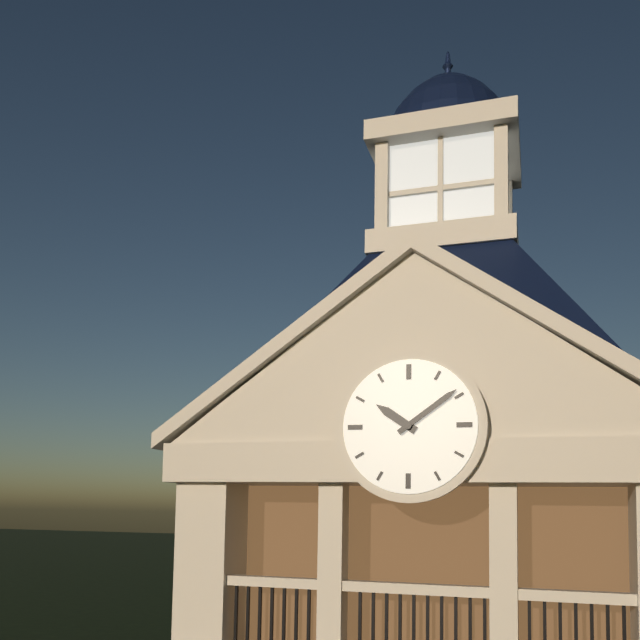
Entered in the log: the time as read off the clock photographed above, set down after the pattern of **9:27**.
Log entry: **10:09**
